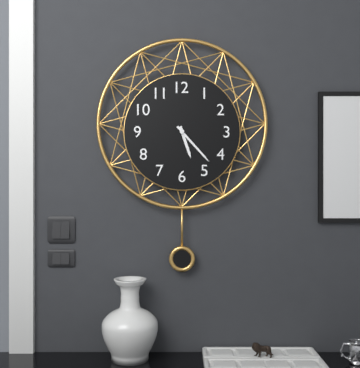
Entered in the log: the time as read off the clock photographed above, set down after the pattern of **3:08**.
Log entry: **5:23**
